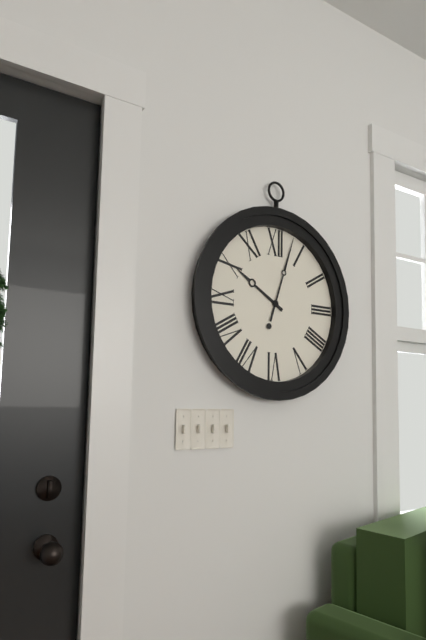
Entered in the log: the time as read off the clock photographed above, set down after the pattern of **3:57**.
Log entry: **10:03**
